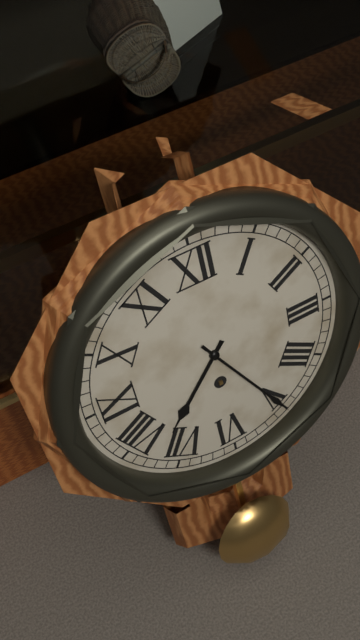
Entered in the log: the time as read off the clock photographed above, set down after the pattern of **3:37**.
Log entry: **7:25**
